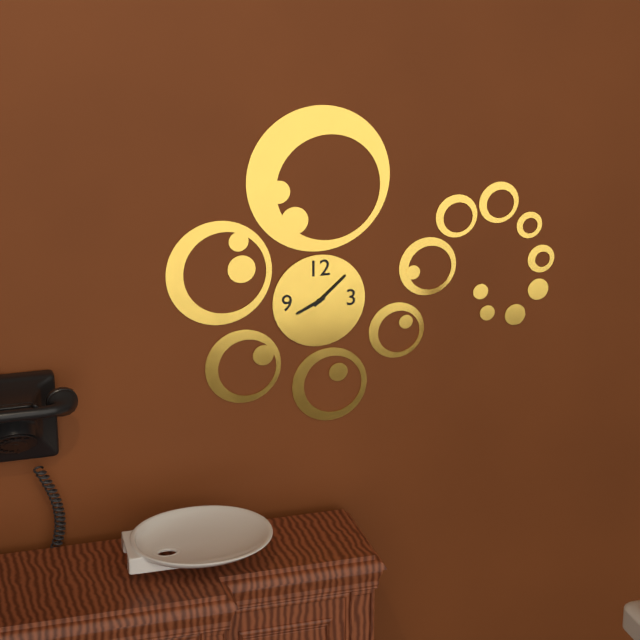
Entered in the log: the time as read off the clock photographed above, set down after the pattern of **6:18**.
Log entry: **8:08**
